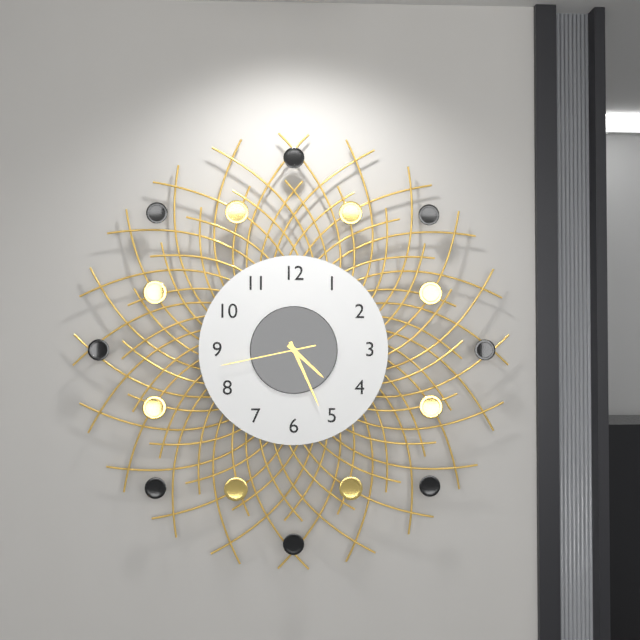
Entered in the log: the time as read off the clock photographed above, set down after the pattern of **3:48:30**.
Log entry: **4:26:43**
